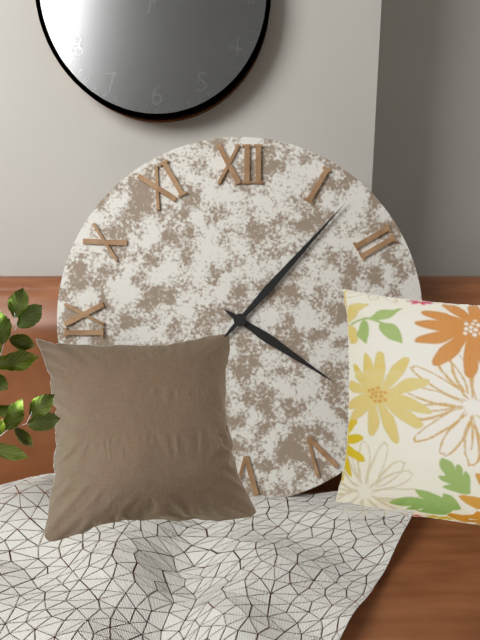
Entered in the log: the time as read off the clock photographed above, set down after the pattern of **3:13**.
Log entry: **4:07**
